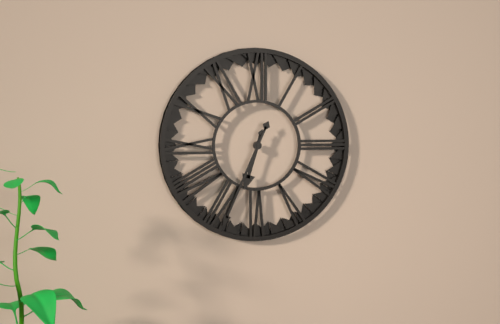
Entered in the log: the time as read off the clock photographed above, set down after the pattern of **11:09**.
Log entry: **6:34**
